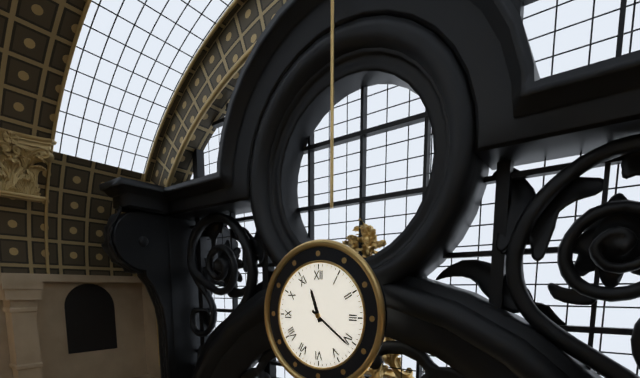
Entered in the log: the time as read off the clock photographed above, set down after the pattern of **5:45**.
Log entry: **11:21**
